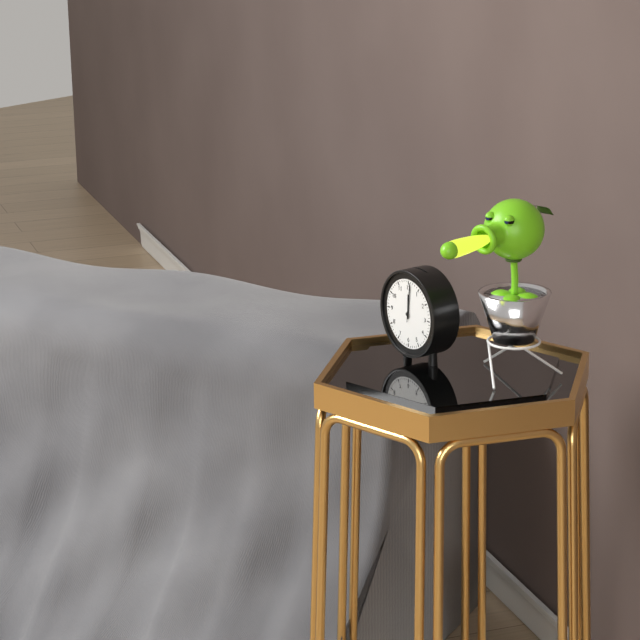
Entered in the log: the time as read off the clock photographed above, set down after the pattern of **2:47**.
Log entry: **12:01**
